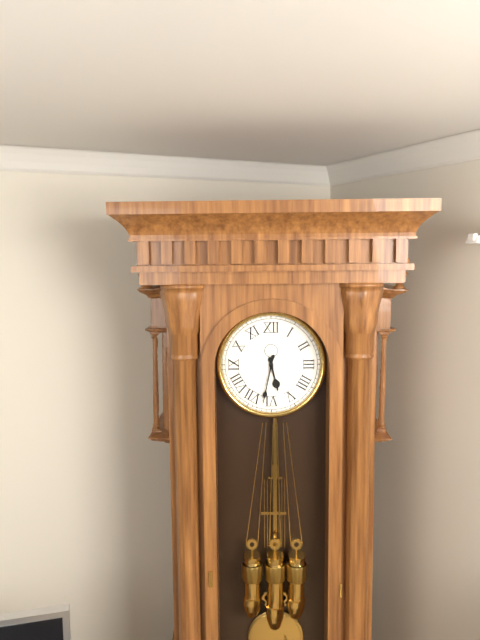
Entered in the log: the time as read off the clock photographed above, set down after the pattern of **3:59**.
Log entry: **5:32**
